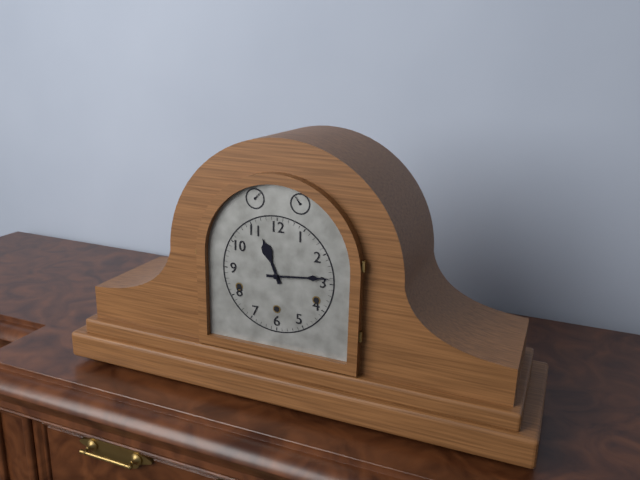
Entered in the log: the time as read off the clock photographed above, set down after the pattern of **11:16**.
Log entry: **11:14**
